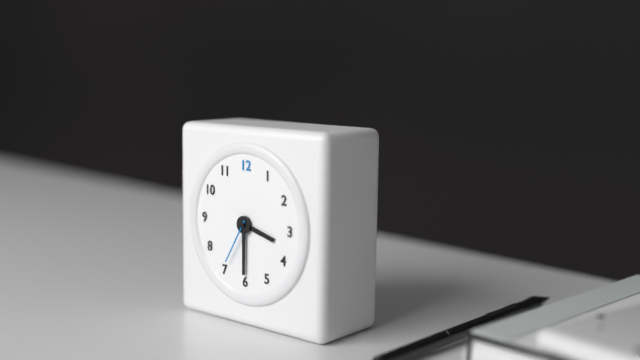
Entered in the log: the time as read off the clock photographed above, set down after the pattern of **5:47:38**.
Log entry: **3:30:35**
